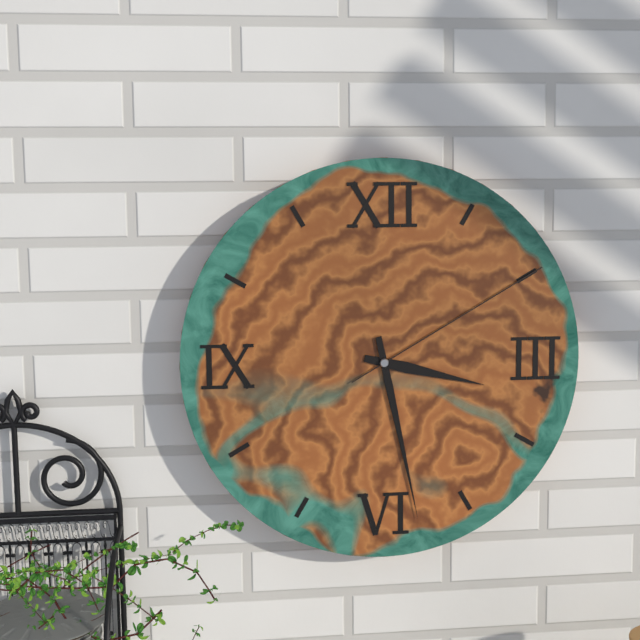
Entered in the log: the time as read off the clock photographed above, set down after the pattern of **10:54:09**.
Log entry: **3:28:10**
